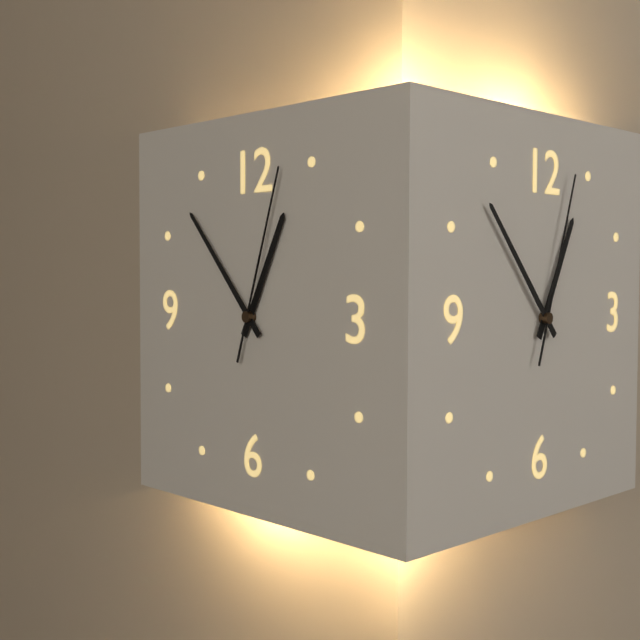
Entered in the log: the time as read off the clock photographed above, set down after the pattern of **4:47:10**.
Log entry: **12:53:03**
